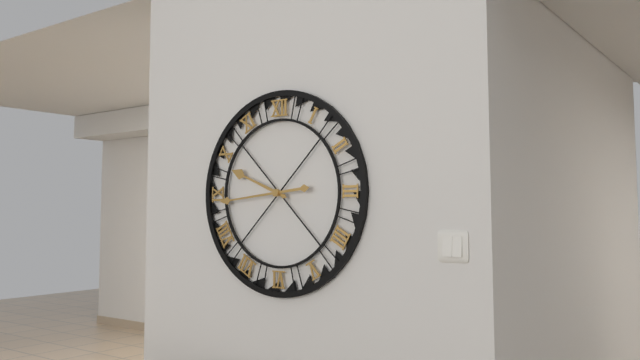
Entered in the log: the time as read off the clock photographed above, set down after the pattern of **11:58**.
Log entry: **9:44**
